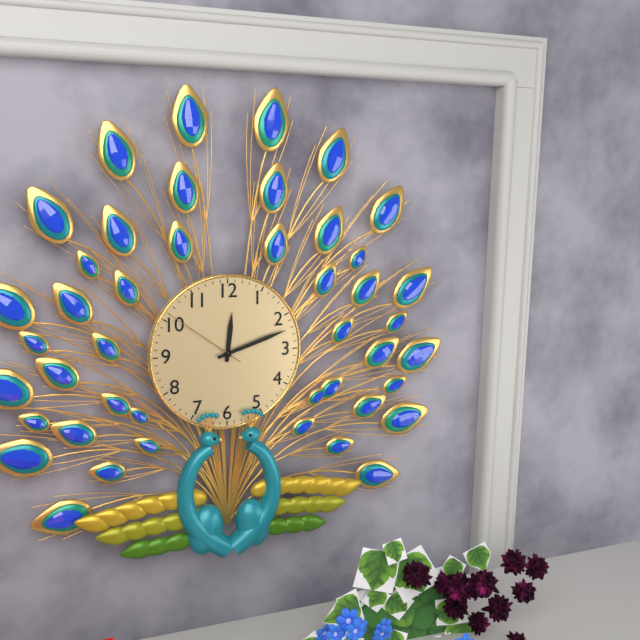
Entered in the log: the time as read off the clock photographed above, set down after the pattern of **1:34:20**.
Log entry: **12:12:51**
